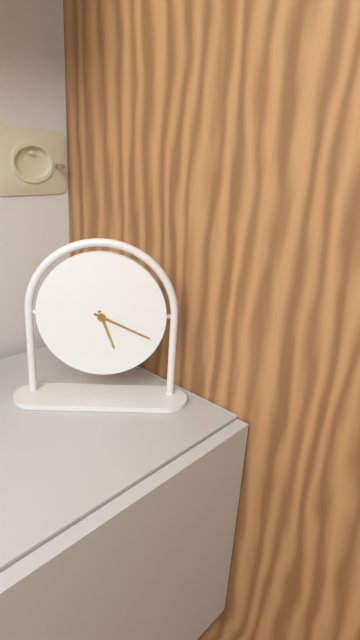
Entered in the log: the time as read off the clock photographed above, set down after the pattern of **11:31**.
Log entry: **5:19**
